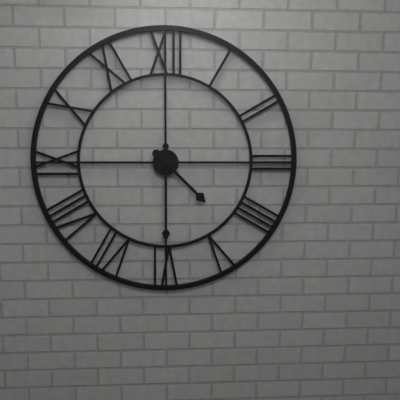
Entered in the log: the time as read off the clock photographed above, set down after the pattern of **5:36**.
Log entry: **4:30**
